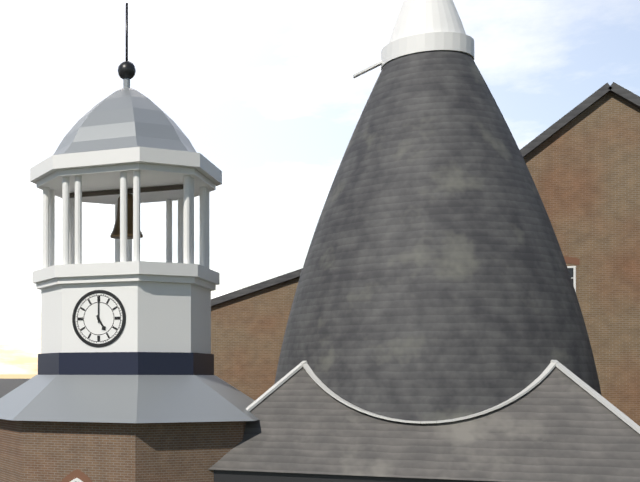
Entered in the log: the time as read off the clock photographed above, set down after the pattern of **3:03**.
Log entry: **5:00**
